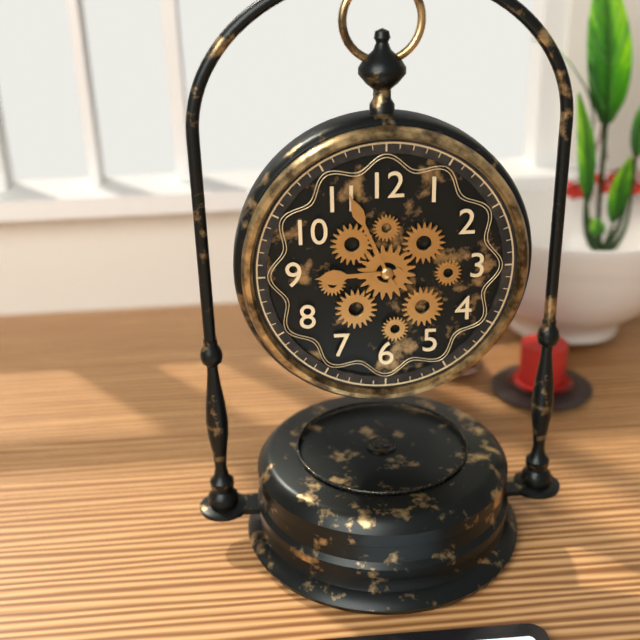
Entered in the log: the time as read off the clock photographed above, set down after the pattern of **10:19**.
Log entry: **8:56**
